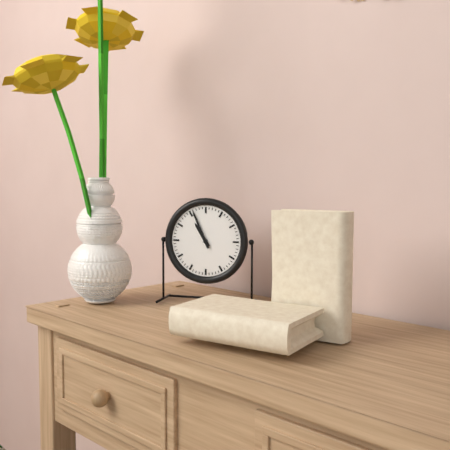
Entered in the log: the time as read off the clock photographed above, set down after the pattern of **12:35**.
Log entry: **10:56**
